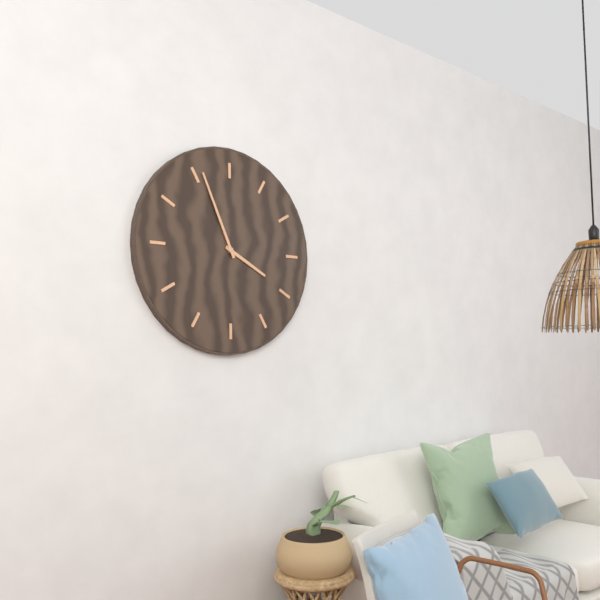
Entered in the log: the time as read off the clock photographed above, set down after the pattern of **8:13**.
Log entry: **3:56**
